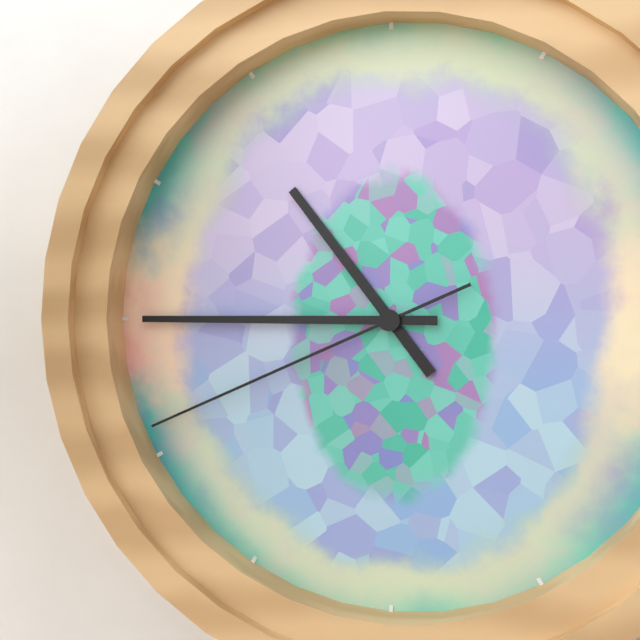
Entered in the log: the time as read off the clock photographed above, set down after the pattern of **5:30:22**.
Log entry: **10:45:41**
